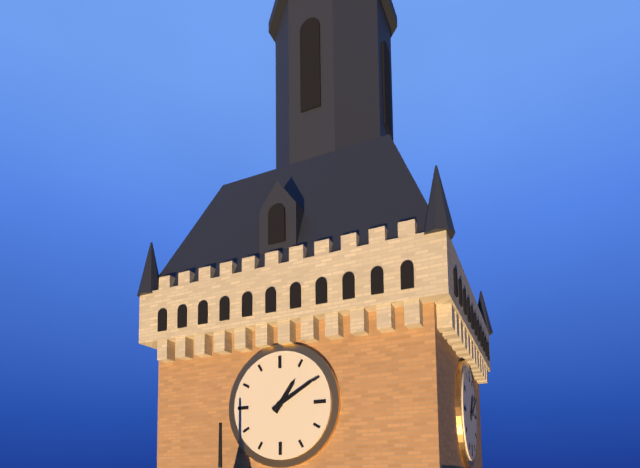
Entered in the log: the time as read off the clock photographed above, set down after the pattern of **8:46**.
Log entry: **1:10**
